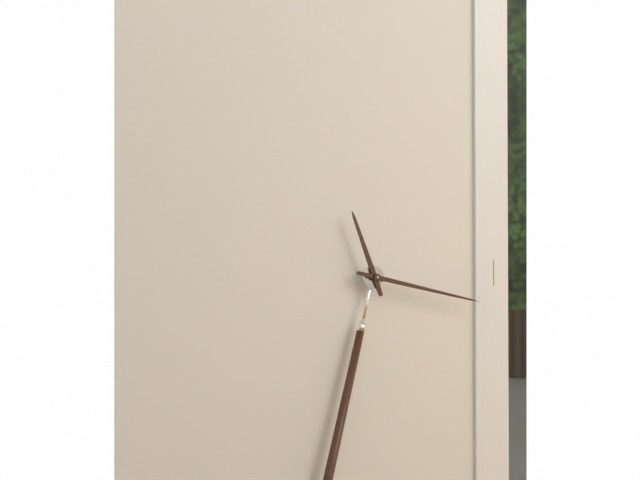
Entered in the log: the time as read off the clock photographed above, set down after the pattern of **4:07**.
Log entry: **11:17**
